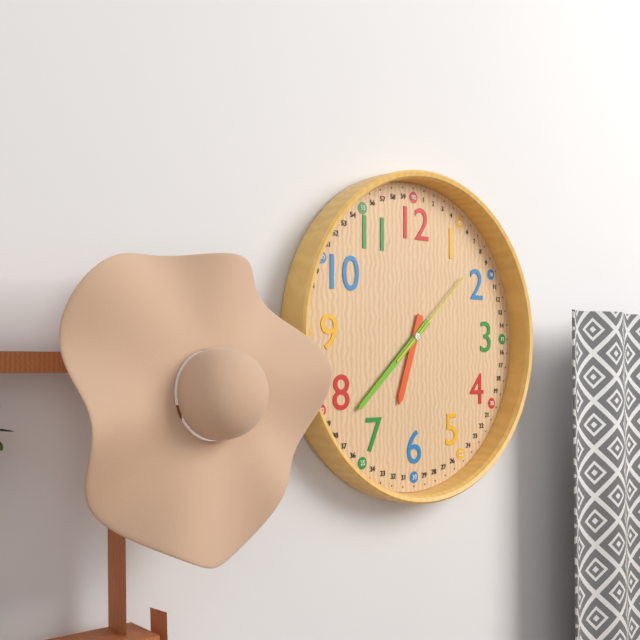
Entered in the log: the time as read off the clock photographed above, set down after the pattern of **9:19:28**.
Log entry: **6:38:08**
